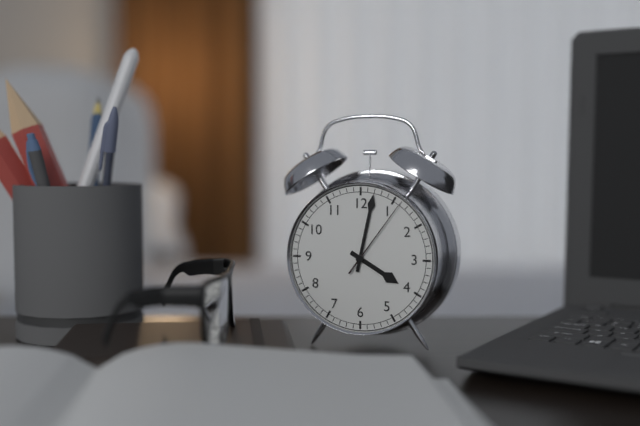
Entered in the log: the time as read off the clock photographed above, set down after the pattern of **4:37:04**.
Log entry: **4:02:06**
